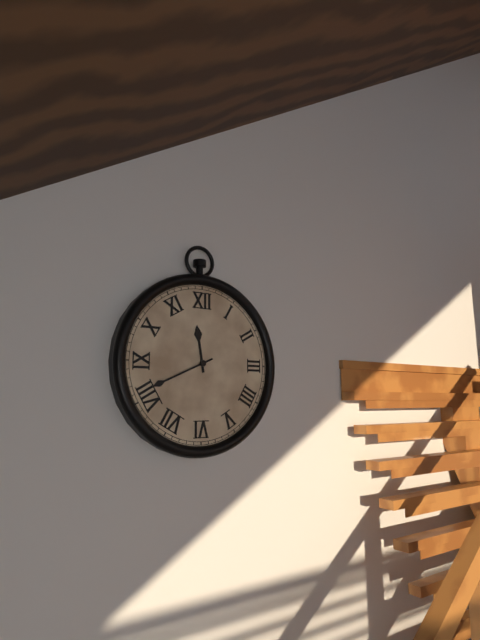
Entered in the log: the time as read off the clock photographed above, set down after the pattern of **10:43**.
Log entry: **11:41**
